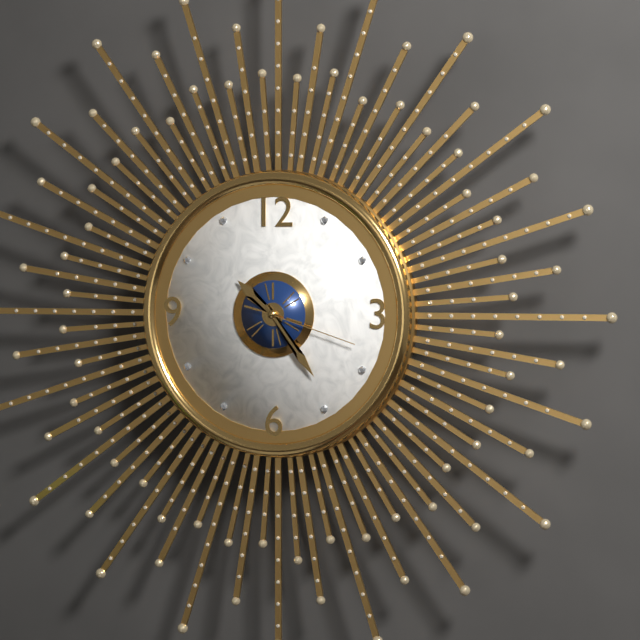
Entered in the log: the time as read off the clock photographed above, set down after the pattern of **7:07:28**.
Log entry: **10:24:18**
